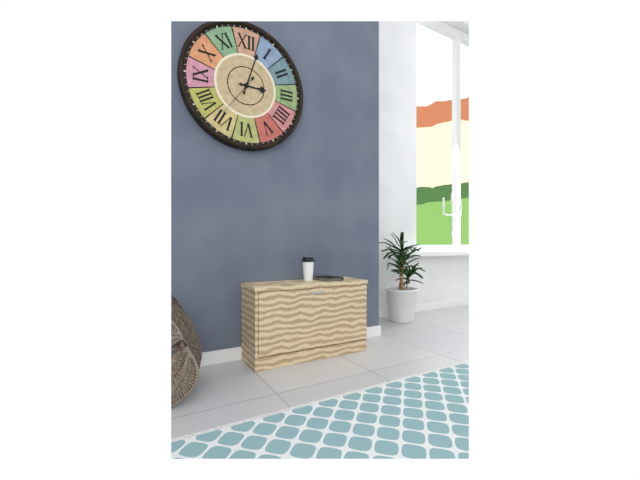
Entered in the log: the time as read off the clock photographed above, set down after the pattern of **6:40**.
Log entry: **3:03**
